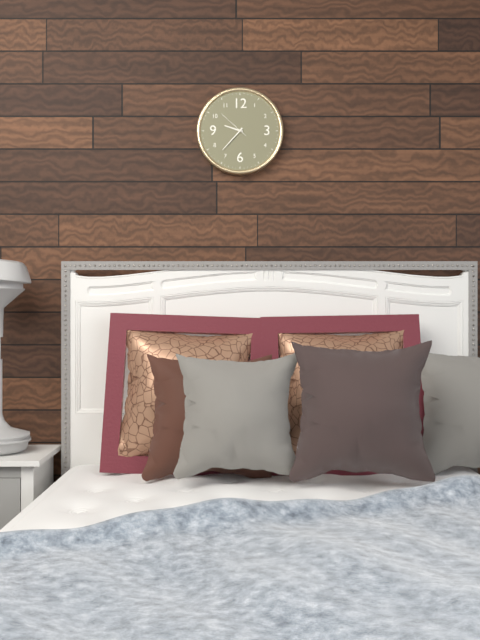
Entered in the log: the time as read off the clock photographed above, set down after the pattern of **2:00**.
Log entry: **9:37**
